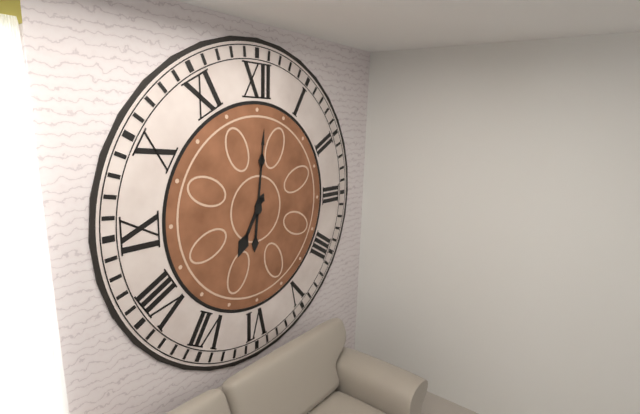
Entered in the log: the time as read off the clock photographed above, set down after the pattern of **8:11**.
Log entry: **7:01**
